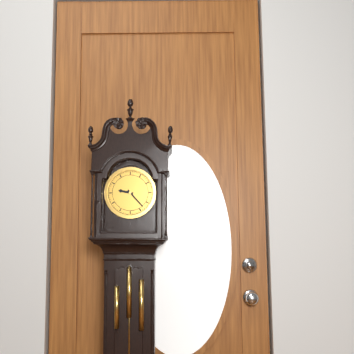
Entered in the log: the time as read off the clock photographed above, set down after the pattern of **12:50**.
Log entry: **9:23**
